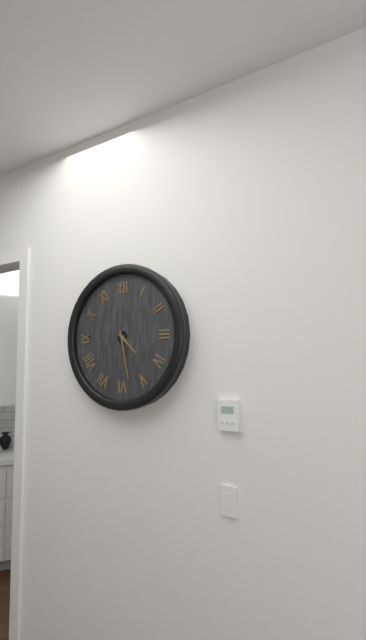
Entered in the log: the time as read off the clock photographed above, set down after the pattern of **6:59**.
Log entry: **4:28**
